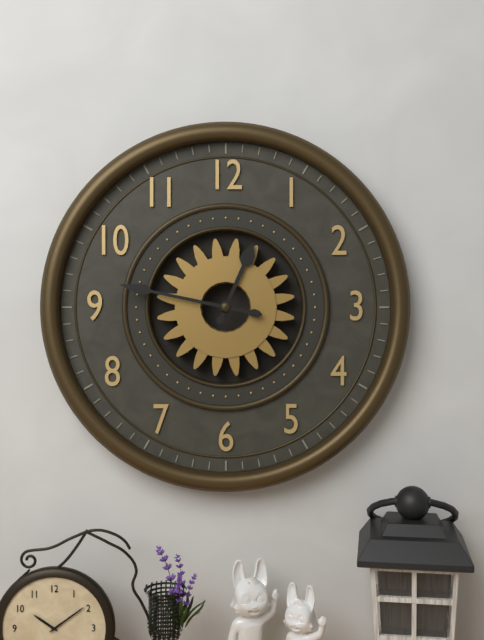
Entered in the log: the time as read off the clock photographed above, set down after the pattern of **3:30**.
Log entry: **12:47**
